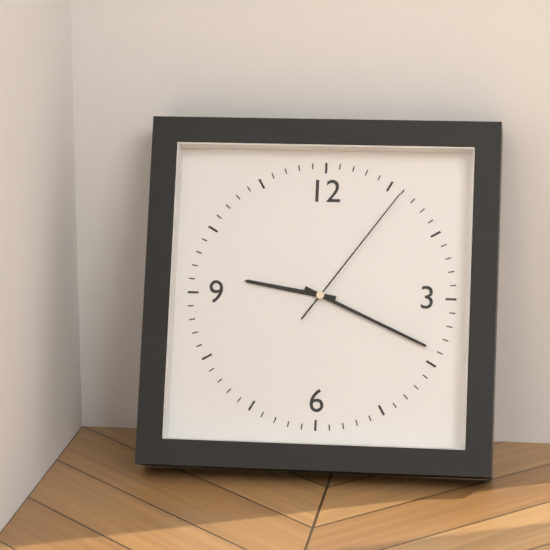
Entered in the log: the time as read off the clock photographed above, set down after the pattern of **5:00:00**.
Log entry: **9:19:06**
